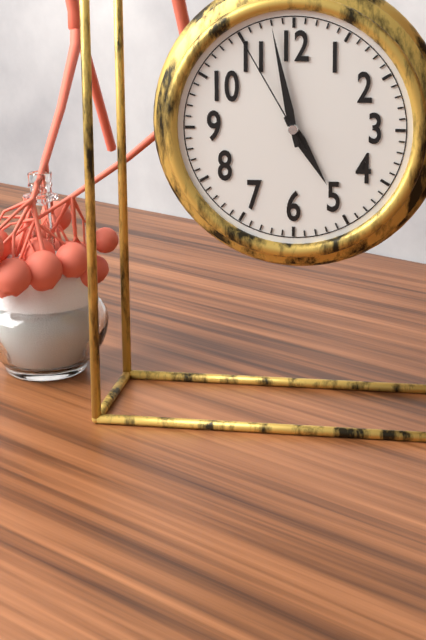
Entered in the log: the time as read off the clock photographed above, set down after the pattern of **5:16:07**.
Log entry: **4:58:55**
